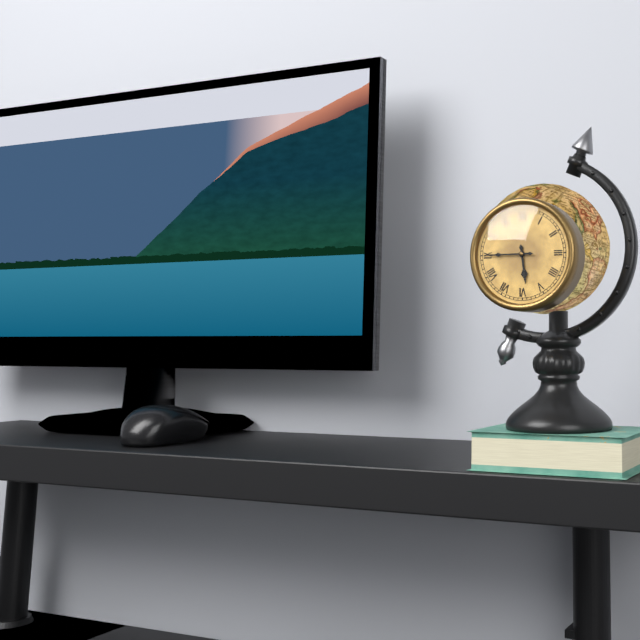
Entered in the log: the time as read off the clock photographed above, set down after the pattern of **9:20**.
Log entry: **5:45**
